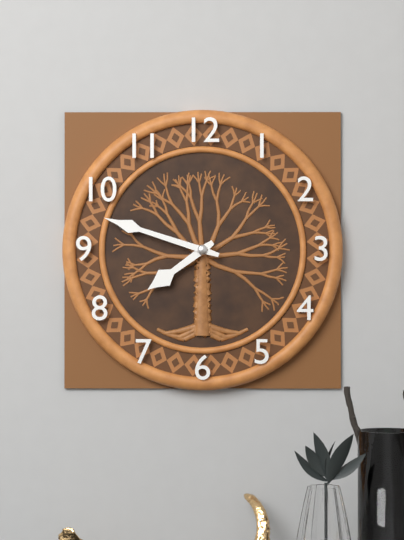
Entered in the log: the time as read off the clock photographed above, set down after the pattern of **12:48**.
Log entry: **7:48**
